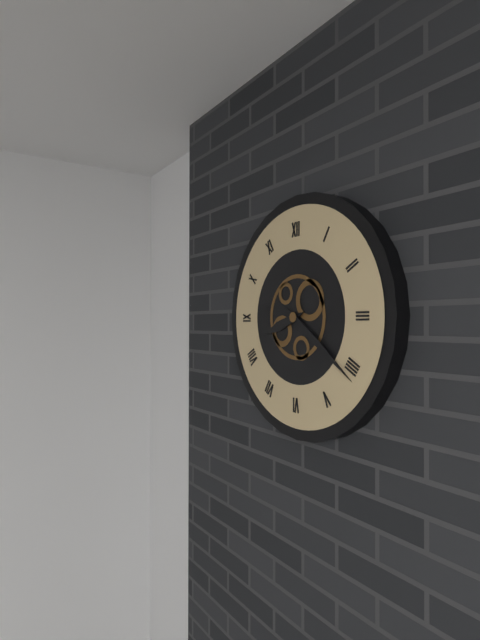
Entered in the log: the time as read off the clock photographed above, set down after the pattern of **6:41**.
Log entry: **8:21**
